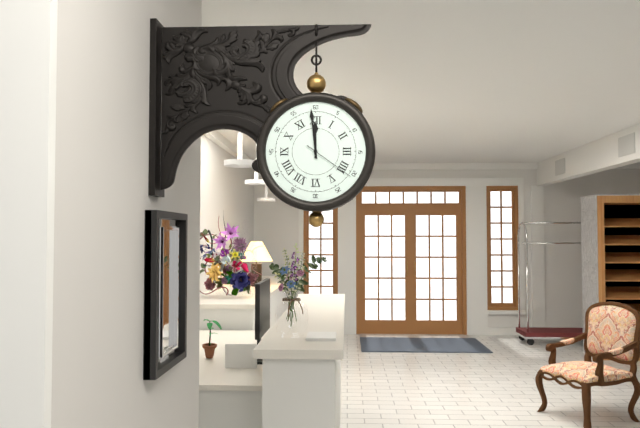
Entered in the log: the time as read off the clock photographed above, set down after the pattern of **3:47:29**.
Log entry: **11:59:21**
